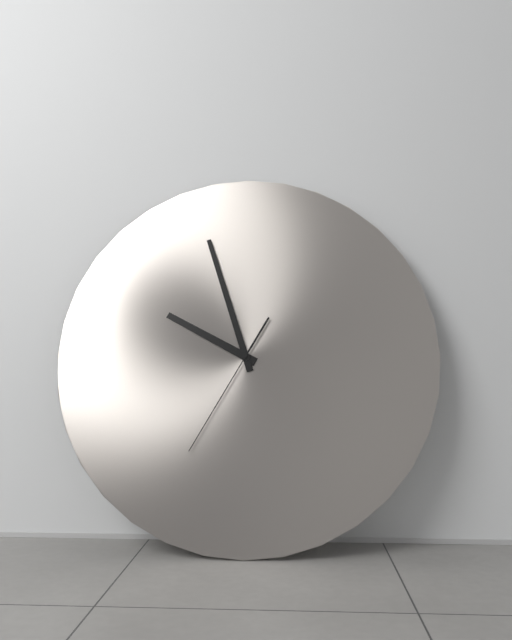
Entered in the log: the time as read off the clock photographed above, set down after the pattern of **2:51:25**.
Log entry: **9:57:35**
